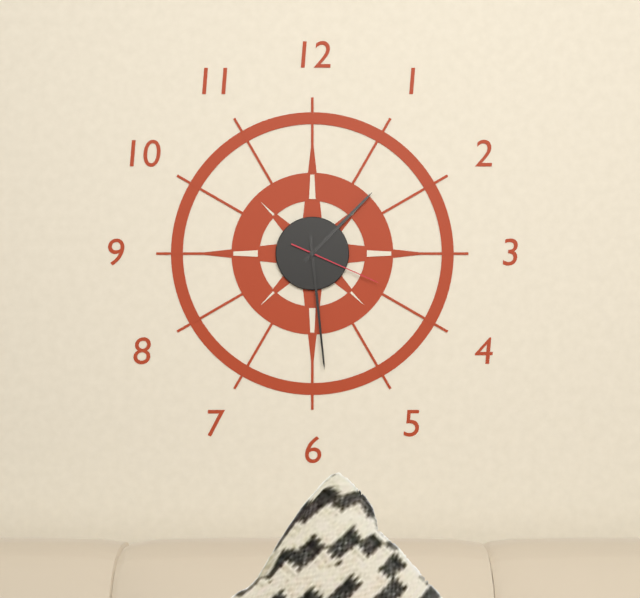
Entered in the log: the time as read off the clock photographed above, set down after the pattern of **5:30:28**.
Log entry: **1:29:19**
